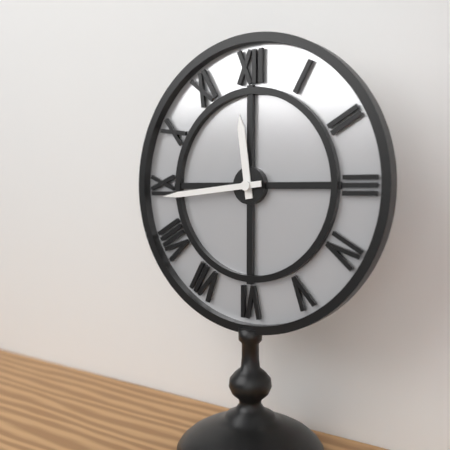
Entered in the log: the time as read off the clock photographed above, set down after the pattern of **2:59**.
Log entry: **11:44**
